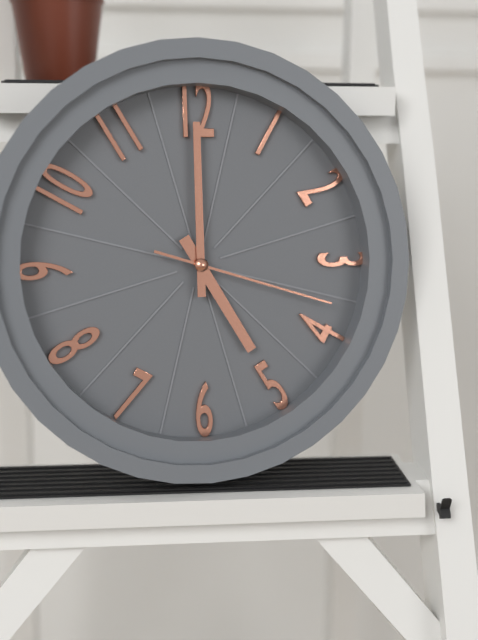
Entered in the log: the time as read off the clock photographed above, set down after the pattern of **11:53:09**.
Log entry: **5:00:18**
